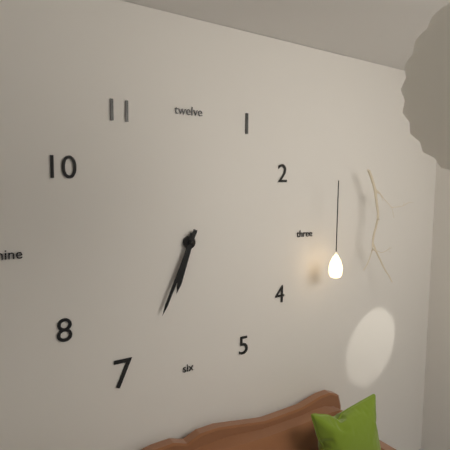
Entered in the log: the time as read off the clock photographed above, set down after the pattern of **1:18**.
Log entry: **6:34**
